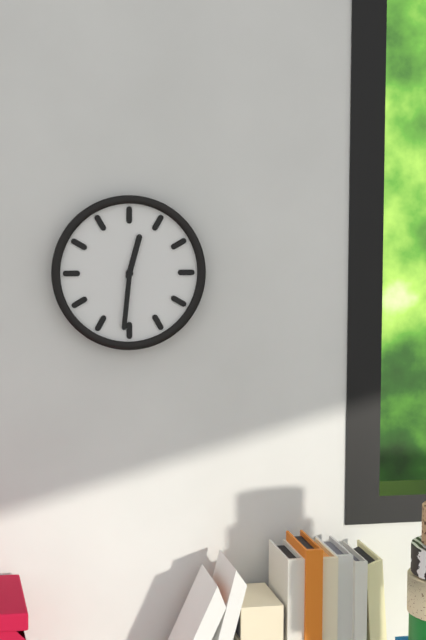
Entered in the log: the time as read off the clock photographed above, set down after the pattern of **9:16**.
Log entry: **12:31**
